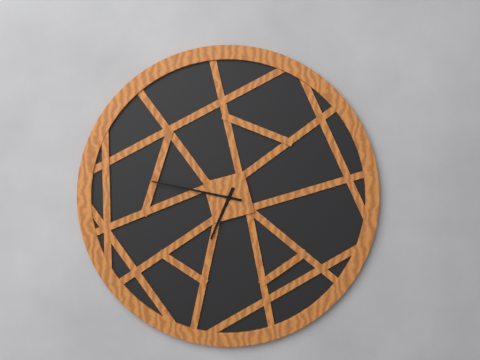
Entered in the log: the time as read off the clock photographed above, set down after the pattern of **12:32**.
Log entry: **6:47**
